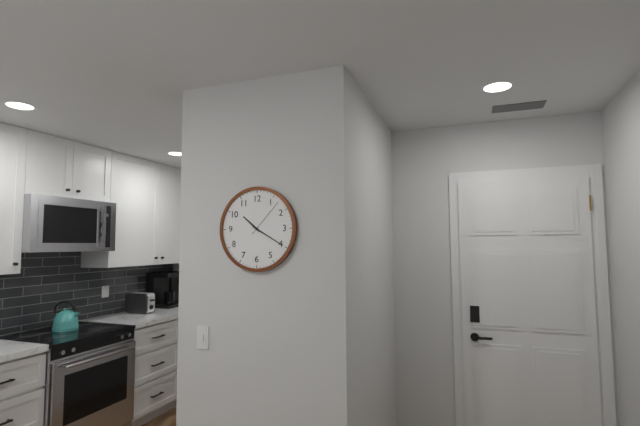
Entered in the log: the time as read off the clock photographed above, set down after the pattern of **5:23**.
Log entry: **10:20**
